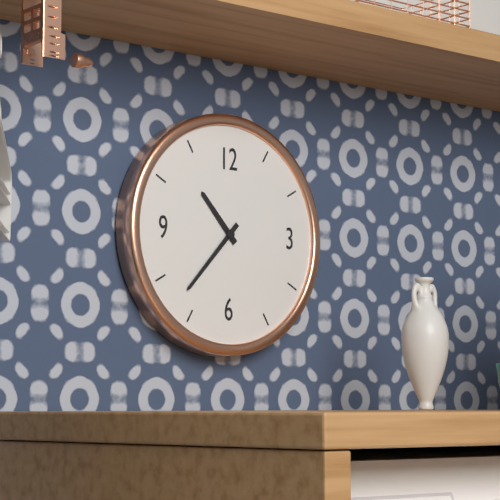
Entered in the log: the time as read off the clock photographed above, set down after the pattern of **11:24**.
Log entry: **10:37**
